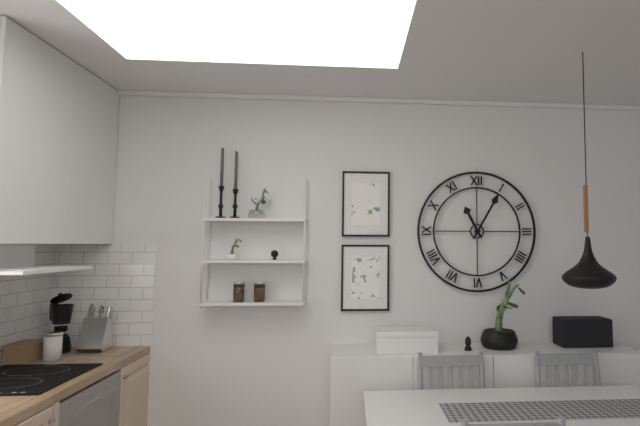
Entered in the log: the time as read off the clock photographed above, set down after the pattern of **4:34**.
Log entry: **11:05**
